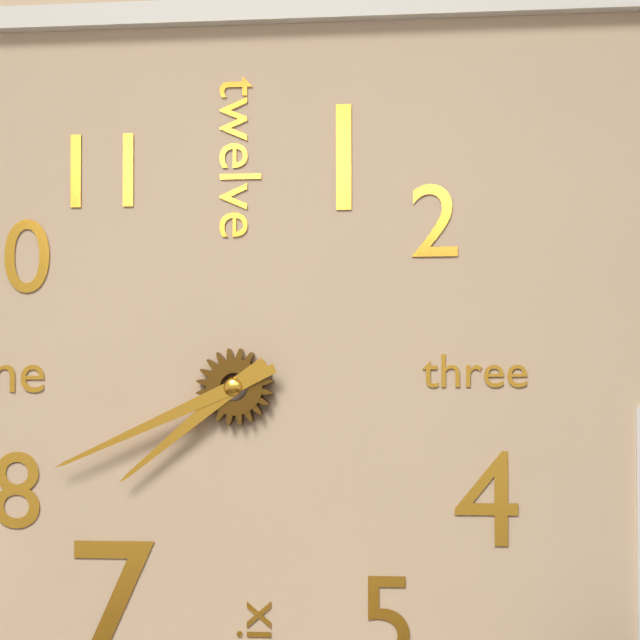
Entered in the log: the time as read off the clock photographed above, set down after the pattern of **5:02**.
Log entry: **7:41**
